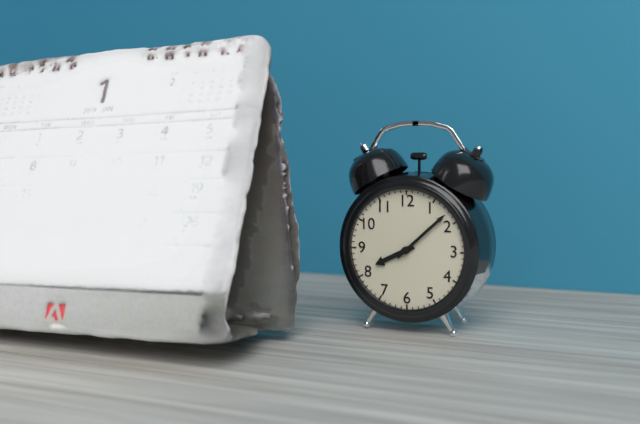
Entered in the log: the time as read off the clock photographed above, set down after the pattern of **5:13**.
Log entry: **8:08**
